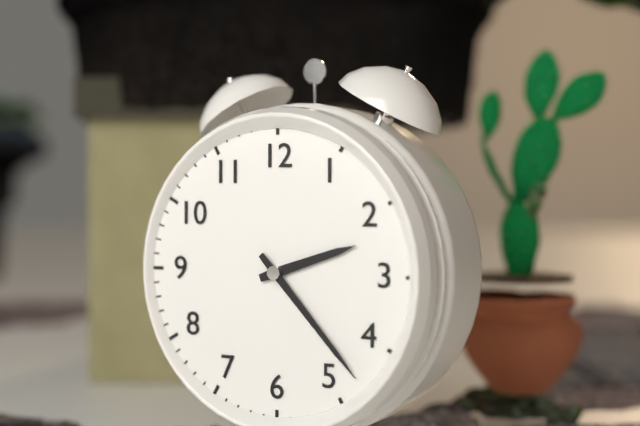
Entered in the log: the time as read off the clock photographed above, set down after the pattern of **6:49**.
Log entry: **2:23**
